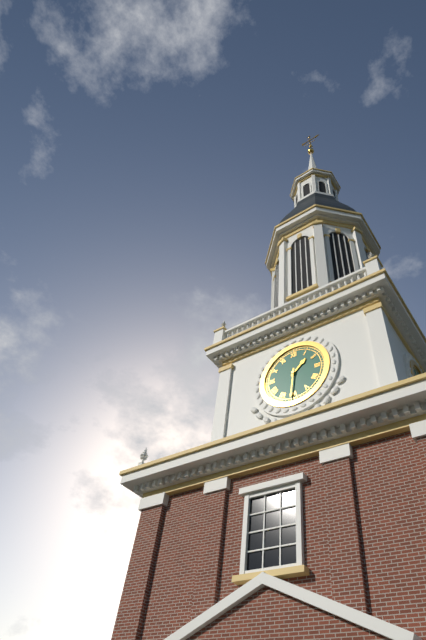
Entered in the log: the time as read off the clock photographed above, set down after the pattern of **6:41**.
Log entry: **1:31**
